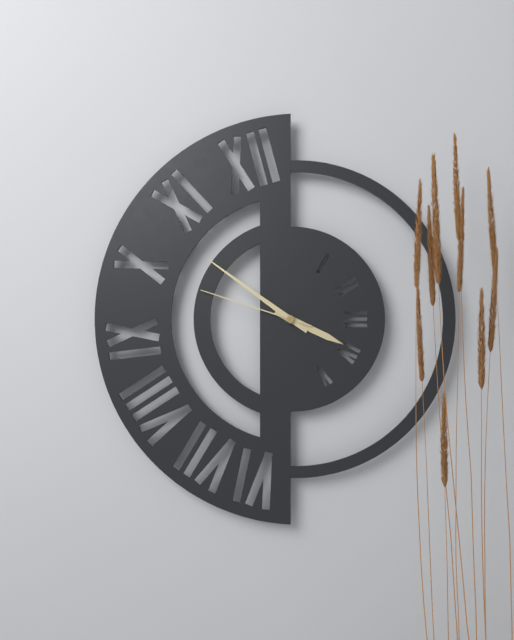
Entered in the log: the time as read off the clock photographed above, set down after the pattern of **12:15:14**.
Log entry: **3:51:48**
